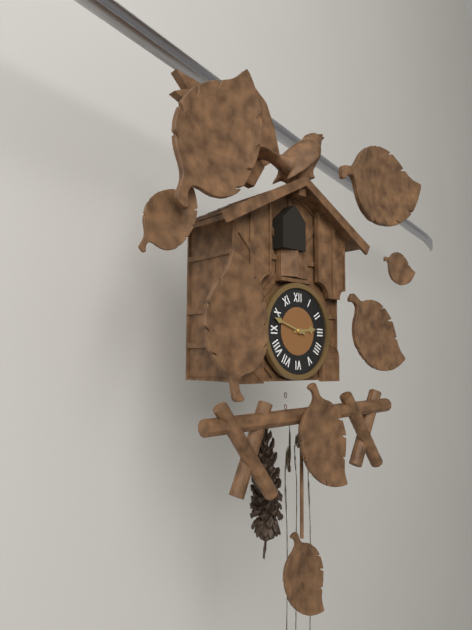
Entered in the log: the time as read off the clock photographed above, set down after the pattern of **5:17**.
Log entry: **2:48**
